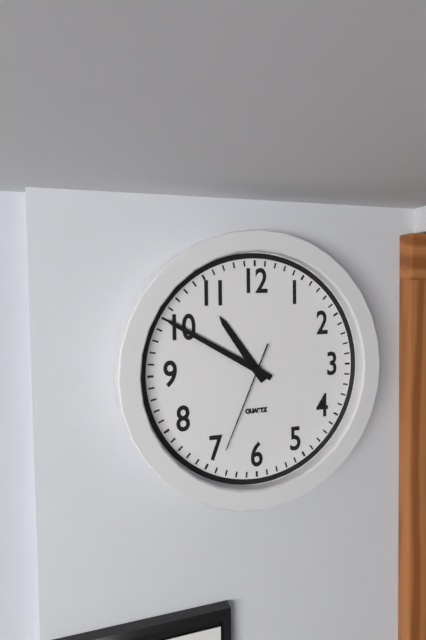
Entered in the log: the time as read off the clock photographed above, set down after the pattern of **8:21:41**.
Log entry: **10:50:34**
